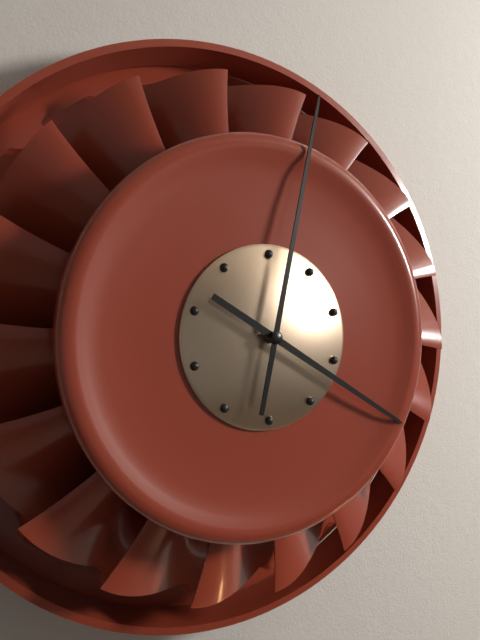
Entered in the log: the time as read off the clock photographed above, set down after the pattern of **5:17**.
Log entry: **4:02**
